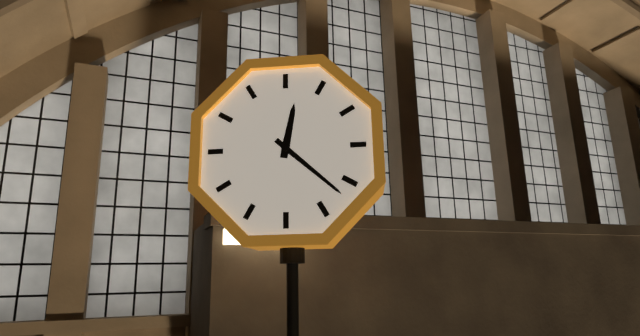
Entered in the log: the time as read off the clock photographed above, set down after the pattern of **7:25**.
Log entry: **12:22**
